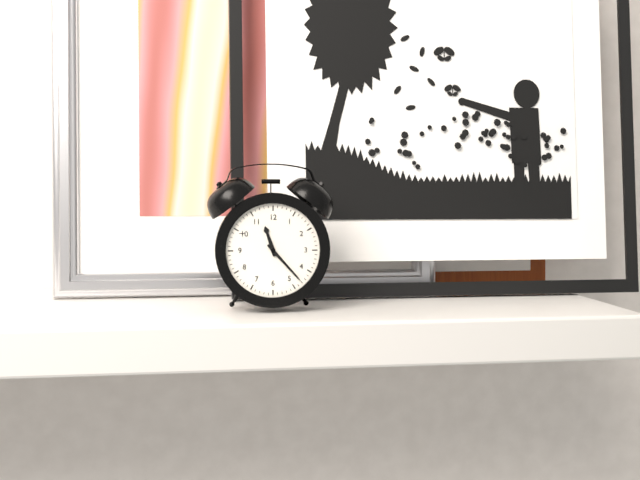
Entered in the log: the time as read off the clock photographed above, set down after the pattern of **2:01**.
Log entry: **11:23**
